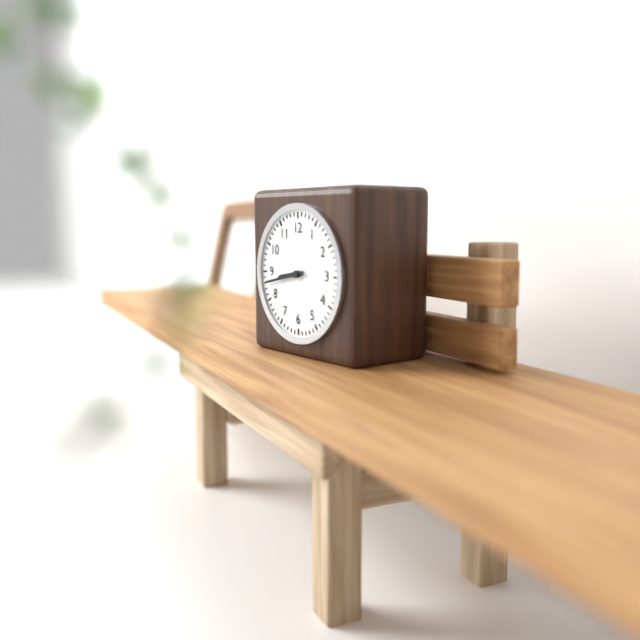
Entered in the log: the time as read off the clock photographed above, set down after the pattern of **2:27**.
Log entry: **8:43**
